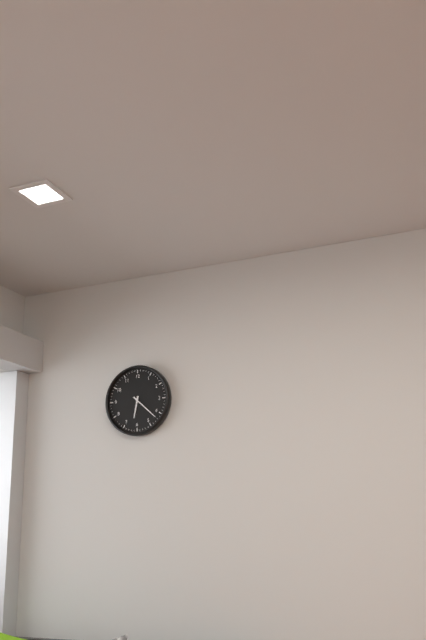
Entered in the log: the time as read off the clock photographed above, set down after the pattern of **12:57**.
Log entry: **6:22**
